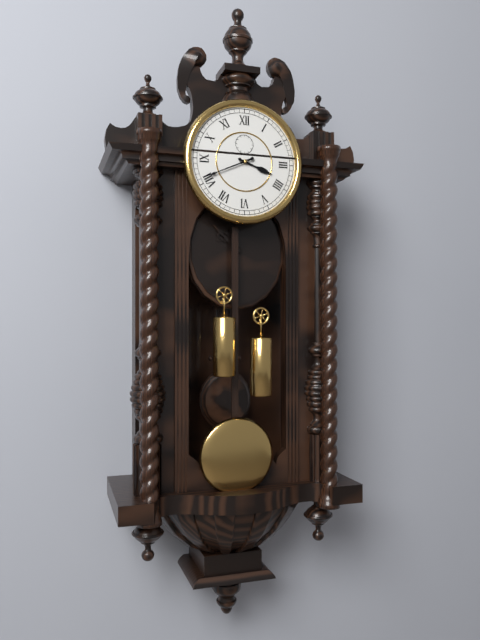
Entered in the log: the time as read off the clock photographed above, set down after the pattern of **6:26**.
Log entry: **3:41**
